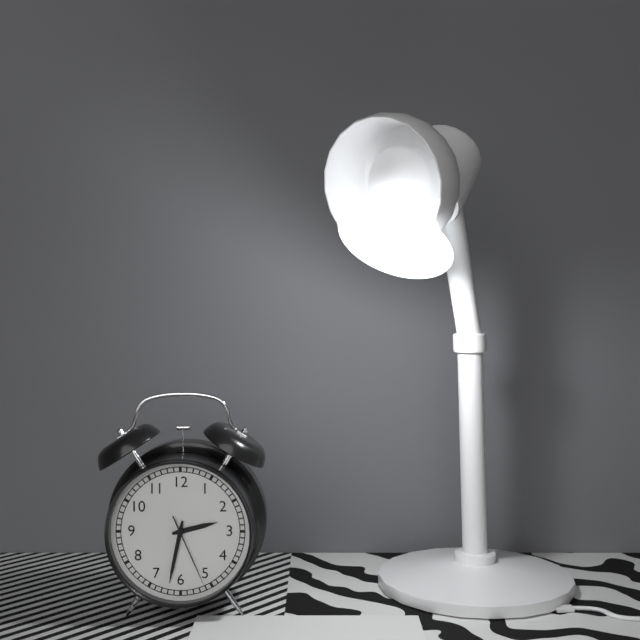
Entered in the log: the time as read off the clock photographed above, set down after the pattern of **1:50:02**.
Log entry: **2:32:26**
